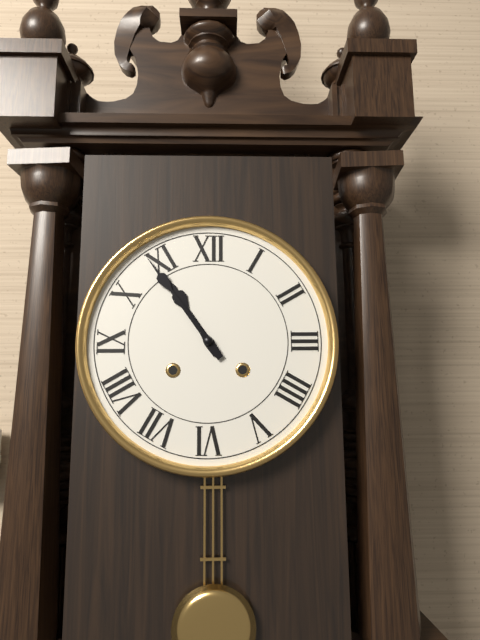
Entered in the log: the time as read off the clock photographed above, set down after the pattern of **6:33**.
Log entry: **10:54**
